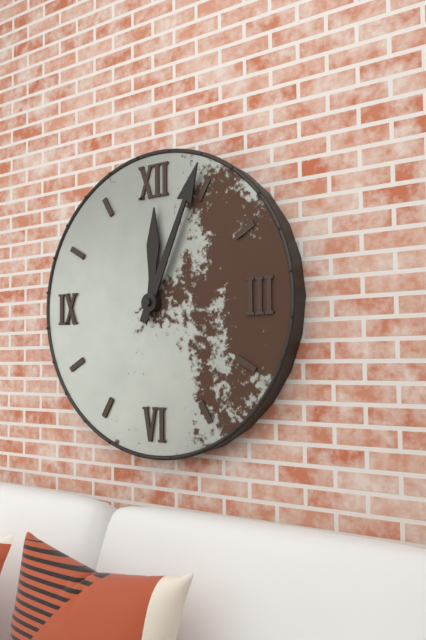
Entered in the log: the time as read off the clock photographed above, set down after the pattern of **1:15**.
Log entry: **12:04**
